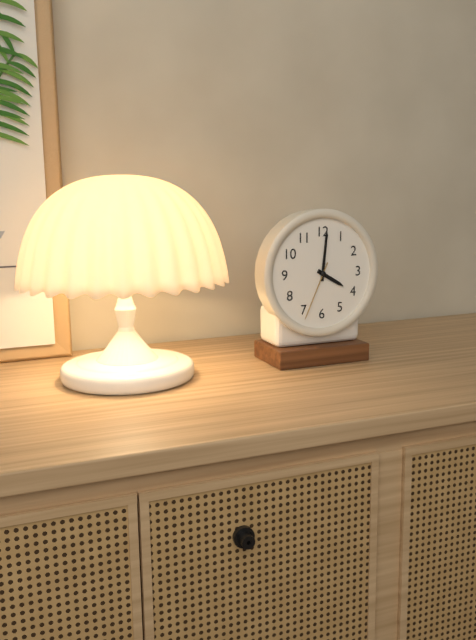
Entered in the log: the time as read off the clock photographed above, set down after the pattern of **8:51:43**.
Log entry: **4:01:34**
